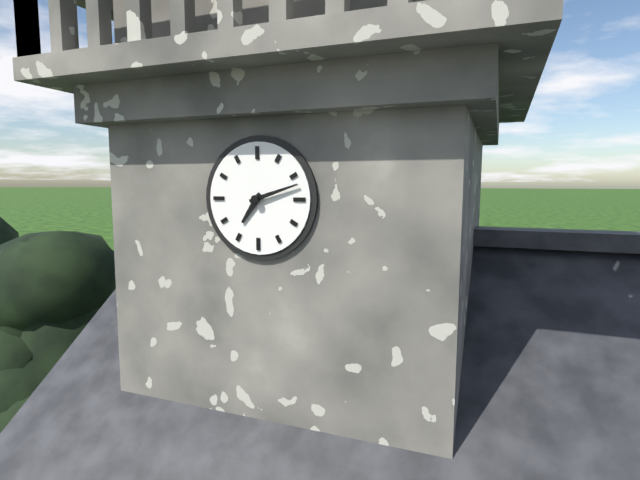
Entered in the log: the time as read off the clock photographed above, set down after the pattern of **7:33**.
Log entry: **7:12**
